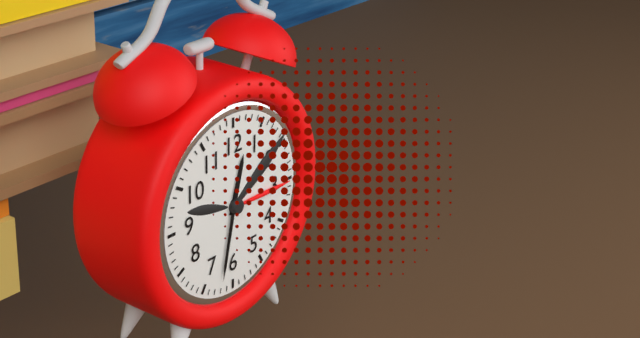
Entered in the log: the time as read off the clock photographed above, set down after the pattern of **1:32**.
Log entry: **12:32**
